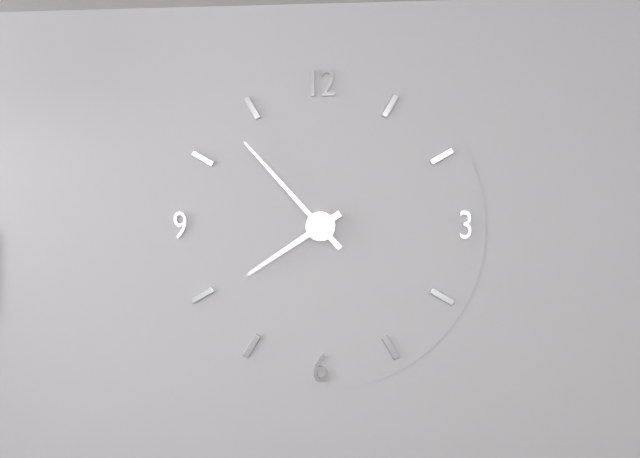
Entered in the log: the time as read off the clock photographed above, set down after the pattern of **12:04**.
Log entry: **7:53**
